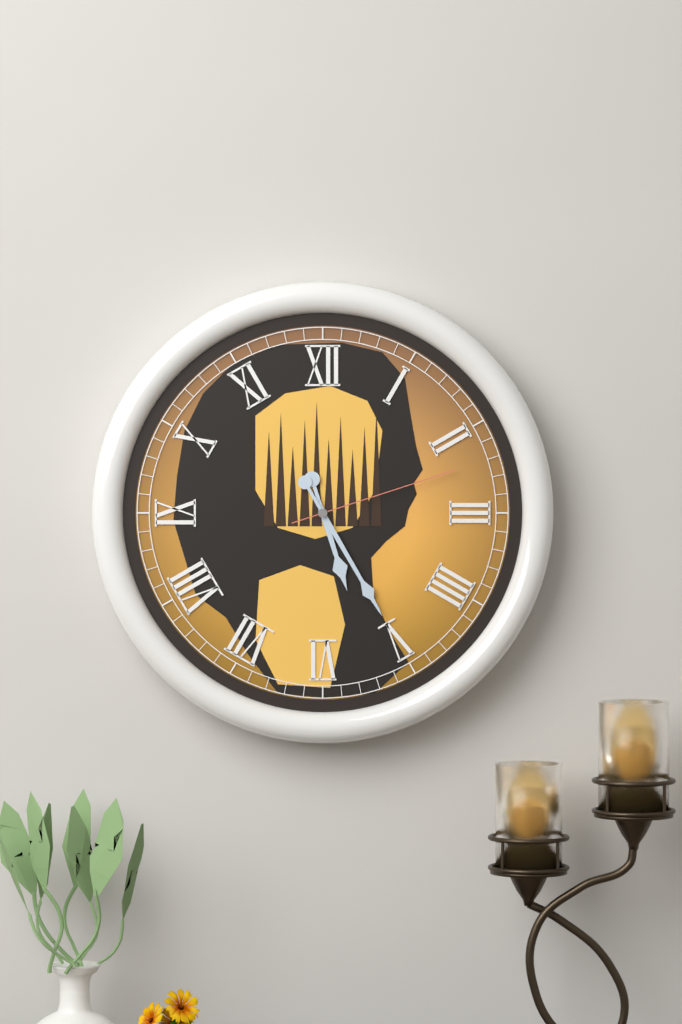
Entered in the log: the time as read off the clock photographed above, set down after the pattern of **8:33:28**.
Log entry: **5:25:12**
